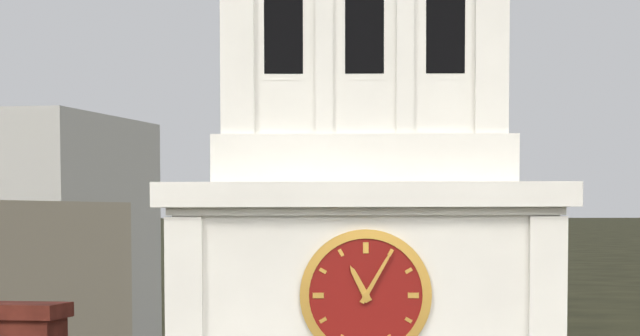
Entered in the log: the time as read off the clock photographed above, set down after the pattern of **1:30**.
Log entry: **11:05**
